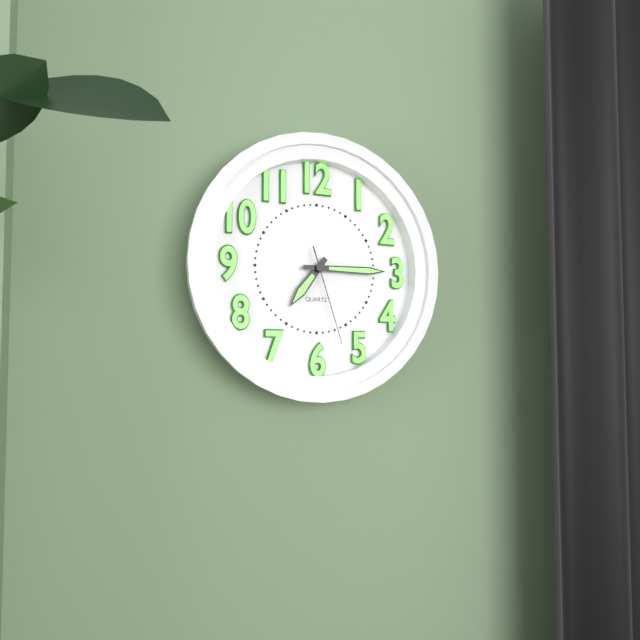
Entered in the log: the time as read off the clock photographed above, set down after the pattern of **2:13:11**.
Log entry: **7:15:27**
